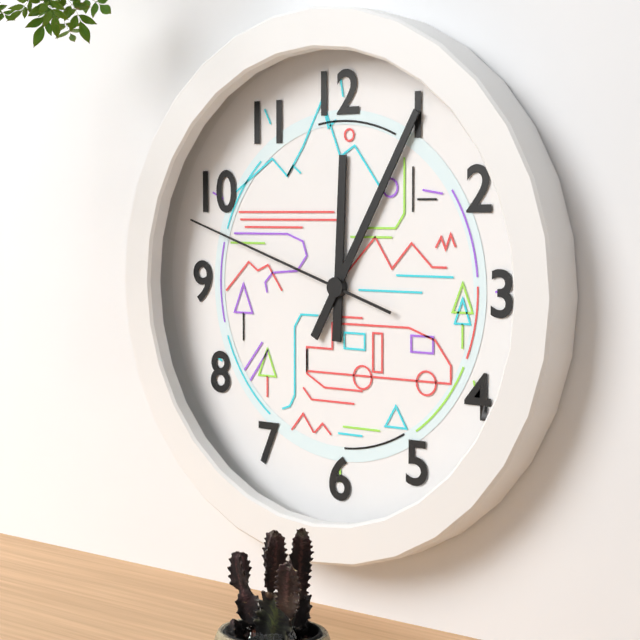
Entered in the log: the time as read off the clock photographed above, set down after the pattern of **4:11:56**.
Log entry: **12:05:48**
